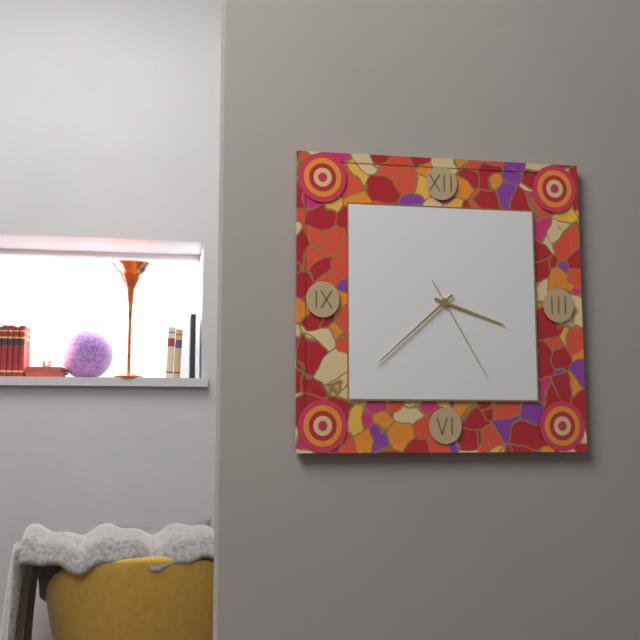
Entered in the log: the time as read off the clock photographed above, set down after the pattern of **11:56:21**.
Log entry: **3:38:25**
